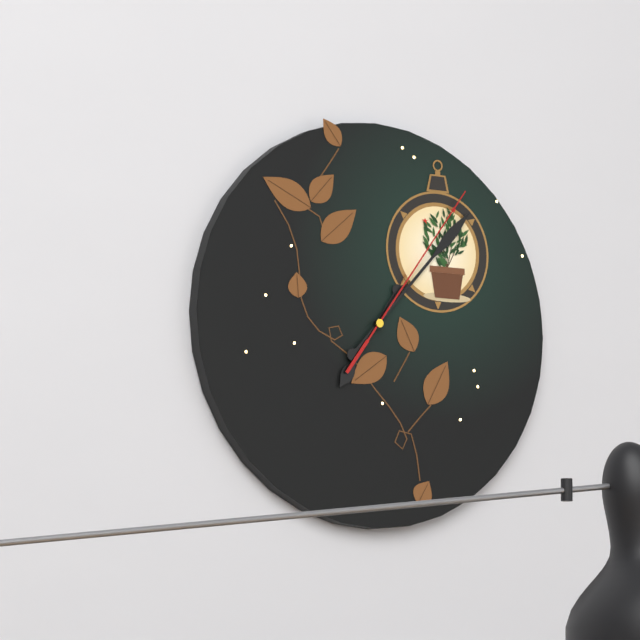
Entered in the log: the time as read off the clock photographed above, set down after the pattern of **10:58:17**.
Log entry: **7:07:06**
